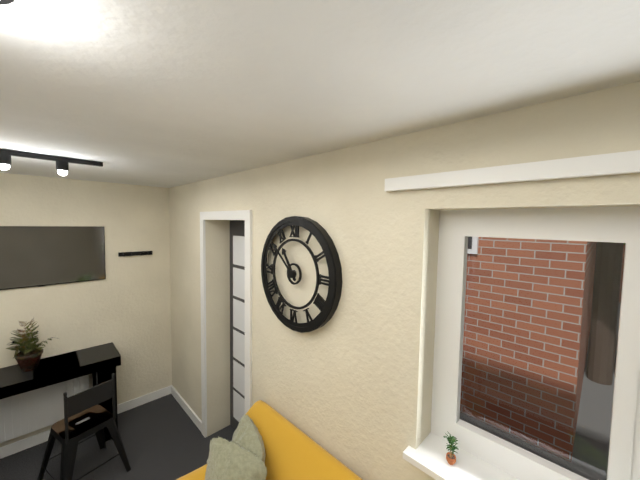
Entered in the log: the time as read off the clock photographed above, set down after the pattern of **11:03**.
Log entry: **10:52**
